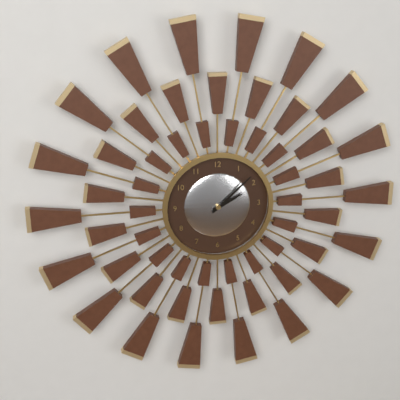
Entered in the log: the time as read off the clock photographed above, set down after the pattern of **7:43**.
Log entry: **2:08**
